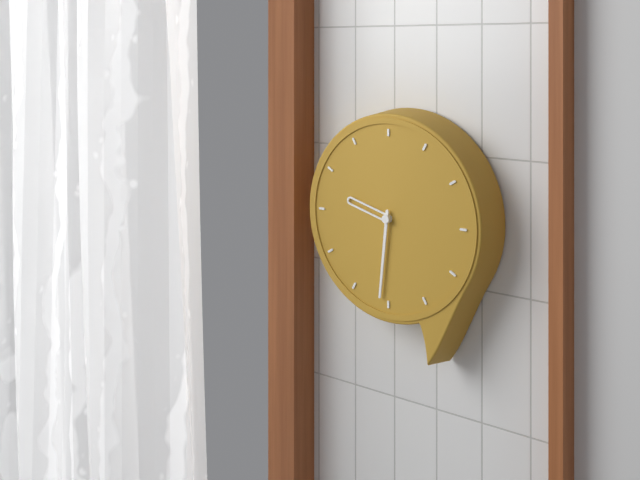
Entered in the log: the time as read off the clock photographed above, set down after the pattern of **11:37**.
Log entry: **9:31**
